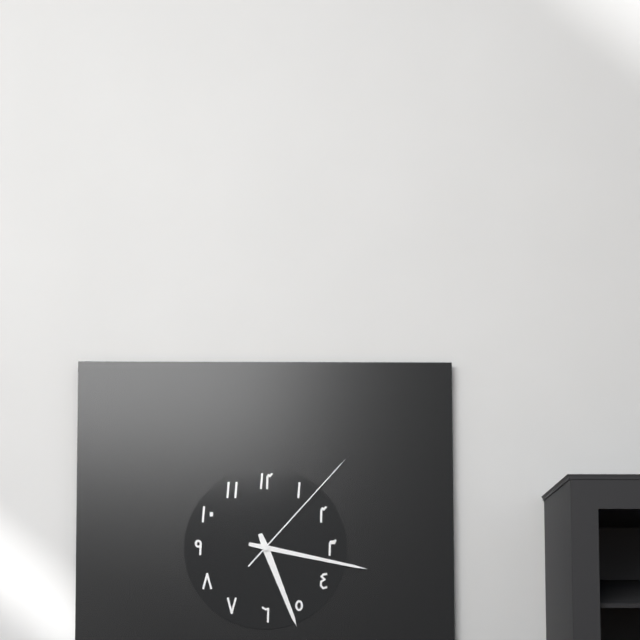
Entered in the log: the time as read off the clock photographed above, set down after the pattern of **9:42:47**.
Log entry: **5:17:07**
